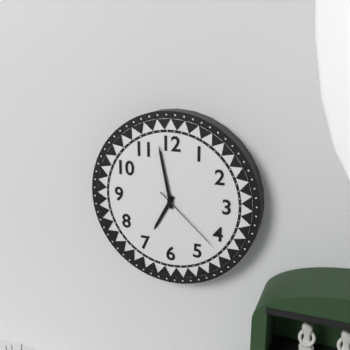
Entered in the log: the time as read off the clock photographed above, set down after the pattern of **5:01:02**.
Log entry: **6:58:22**
